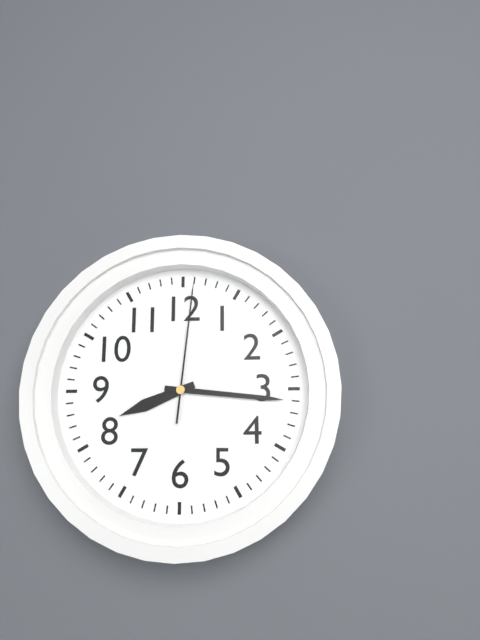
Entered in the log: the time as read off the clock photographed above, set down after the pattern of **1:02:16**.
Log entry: **8:16:01**
